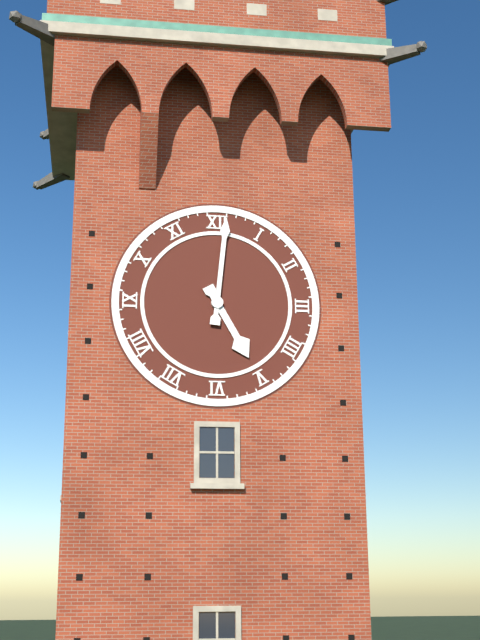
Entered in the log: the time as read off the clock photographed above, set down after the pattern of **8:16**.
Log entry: **5:01**
